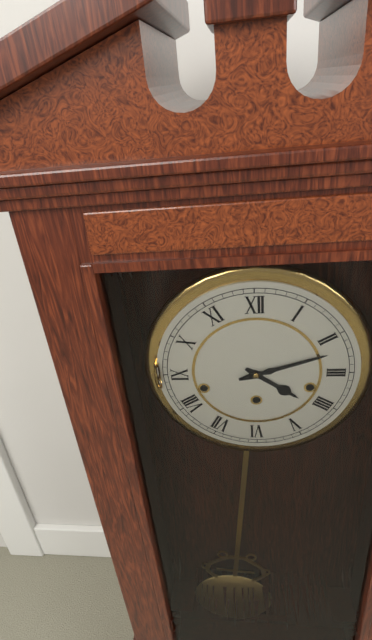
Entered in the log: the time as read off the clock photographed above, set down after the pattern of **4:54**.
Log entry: **4:12**
